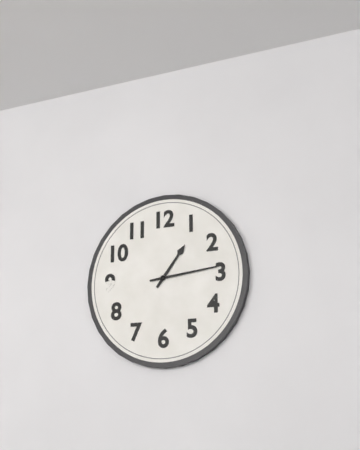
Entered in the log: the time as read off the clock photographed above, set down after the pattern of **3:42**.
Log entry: **1:14**
